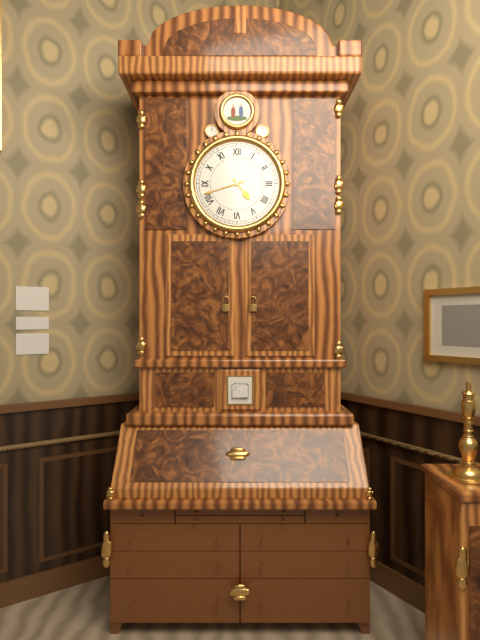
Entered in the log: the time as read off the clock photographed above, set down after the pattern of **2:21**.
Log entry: **4:42**
